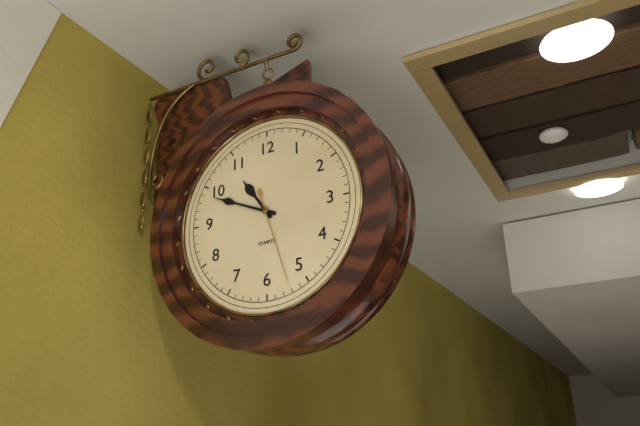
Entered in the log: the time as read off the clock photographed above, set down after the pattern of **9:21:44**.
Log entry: **10:49:27**
